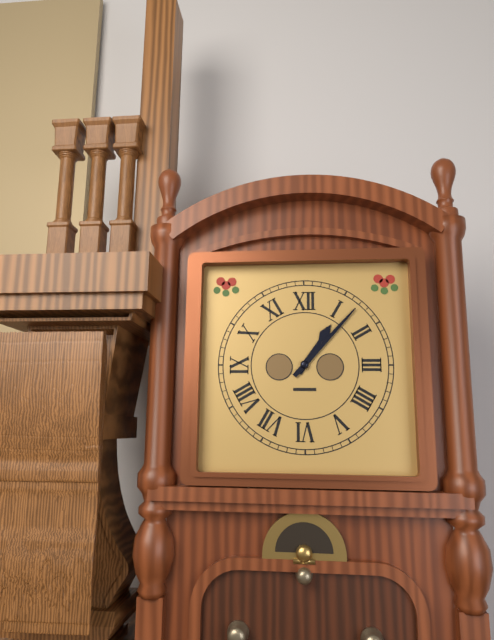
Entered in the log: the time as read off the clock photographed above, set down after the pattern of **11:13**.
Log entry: **1:07**
